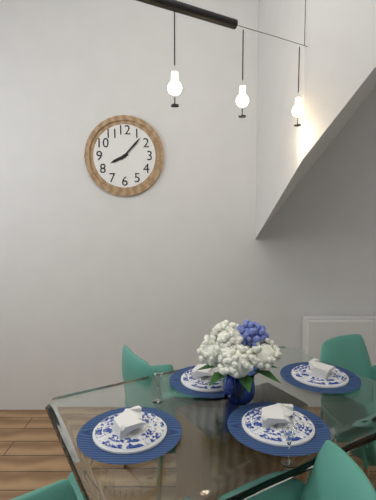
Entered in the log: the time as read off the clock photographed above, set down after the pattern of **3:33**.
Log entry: **8:07**
